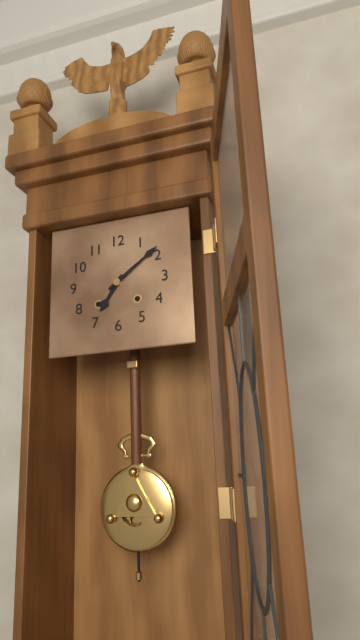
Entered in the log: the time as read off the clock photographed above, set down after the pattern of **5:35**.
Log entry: **7:09**
